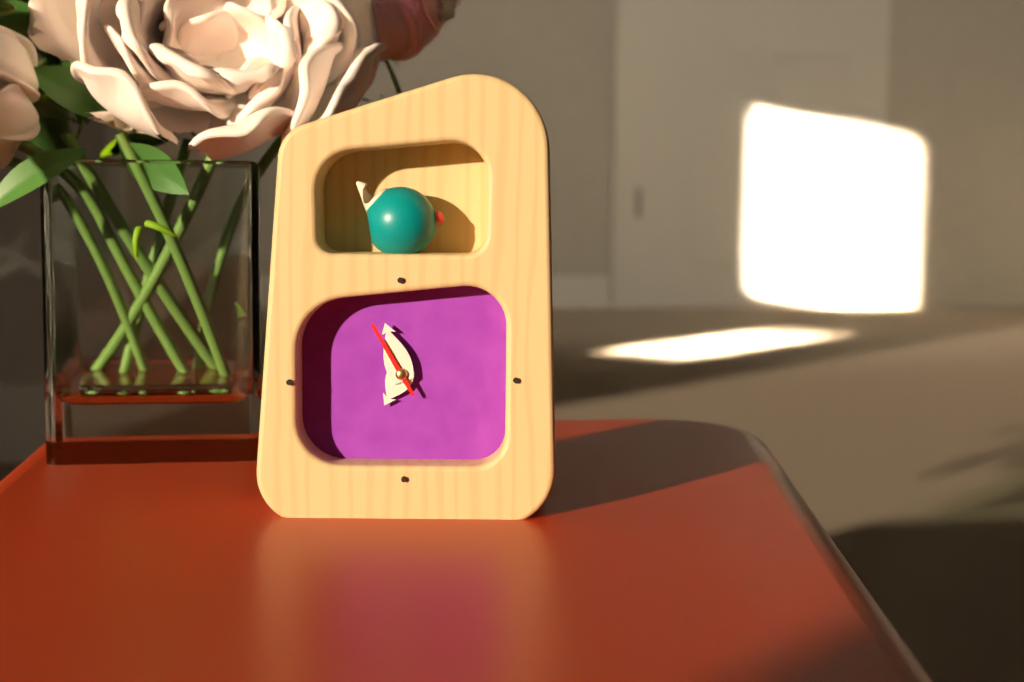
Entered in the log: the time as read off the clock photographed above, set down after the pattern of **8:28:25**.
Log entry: **6:57:55**
